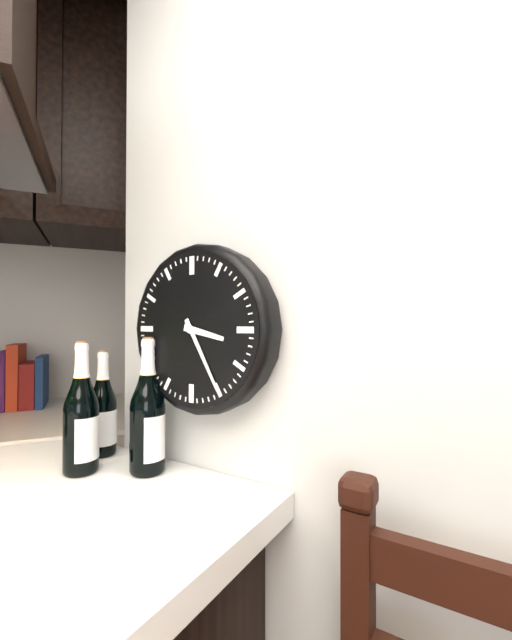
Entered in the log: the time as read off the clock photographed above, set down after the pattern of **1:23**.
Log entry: **3:25**
